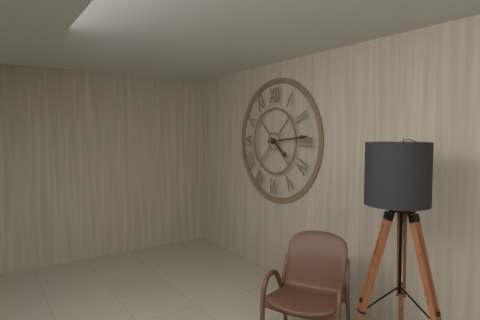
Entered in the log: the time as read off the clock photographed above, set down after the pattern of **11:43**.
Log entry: **4:14**
